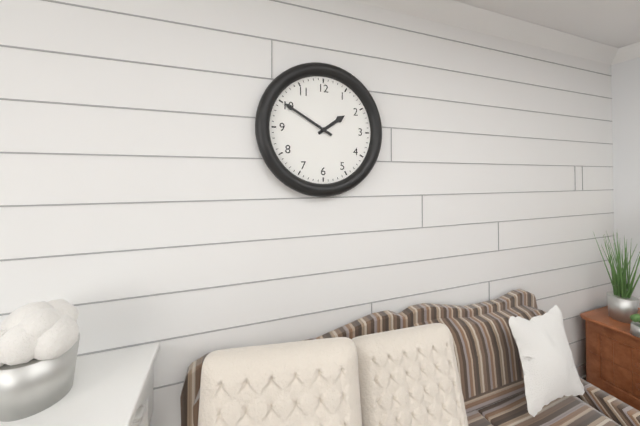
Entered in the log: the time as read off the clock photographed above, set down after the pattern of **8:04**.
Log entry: **1:50**
